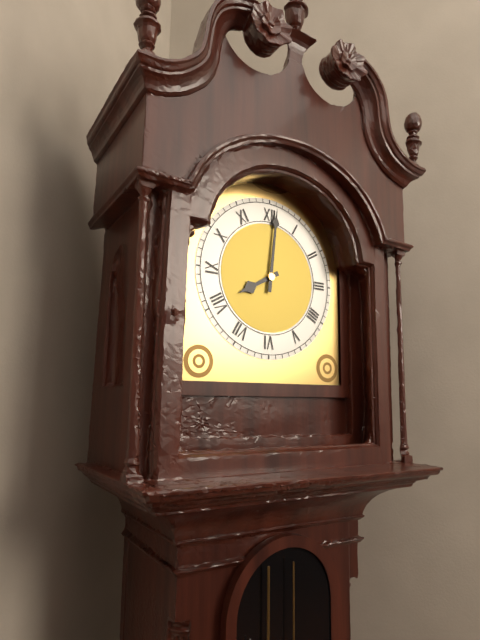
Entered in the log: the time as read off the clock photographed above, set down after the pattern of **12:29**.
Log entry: **8:01**
